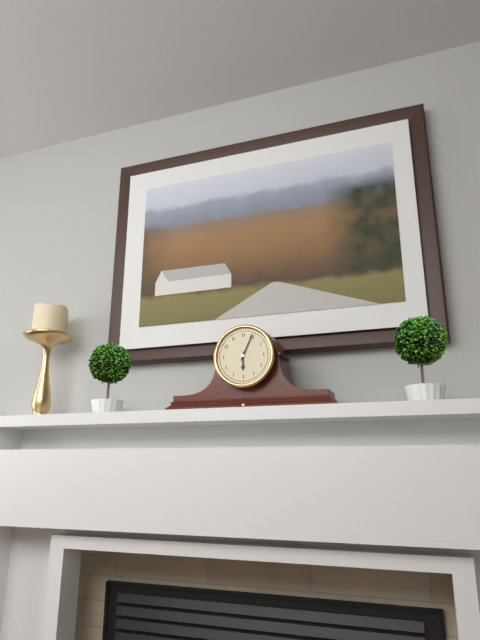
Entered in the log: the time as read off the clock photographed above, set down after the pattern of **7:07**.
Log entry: **6:04**
